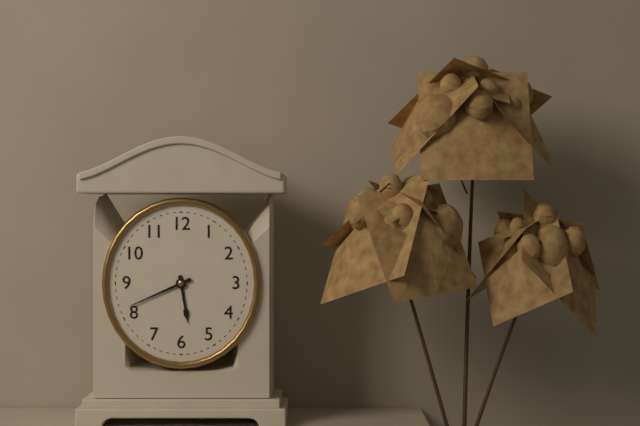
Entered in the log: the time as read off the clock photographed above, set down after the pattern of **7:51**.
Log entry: **5:41**
